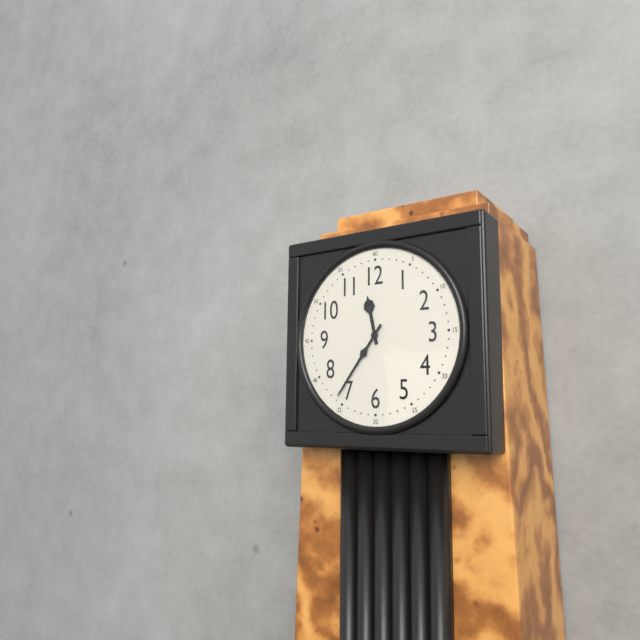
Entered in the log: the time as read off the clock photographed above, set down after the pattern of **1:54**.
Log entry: **11:36**
